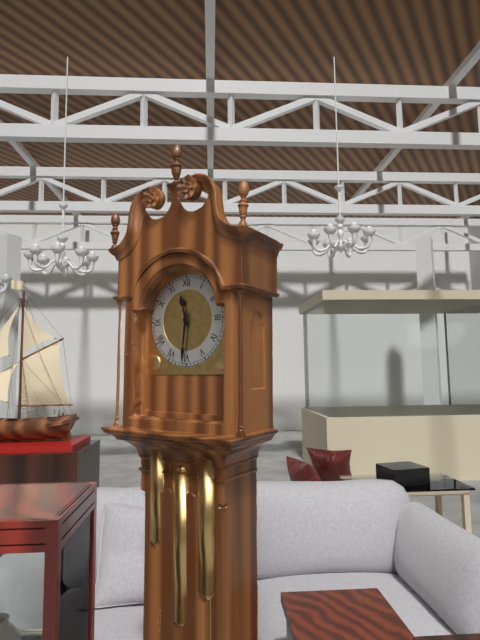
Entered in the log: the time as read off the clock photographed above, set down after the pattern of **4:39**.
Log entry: **11:31**
